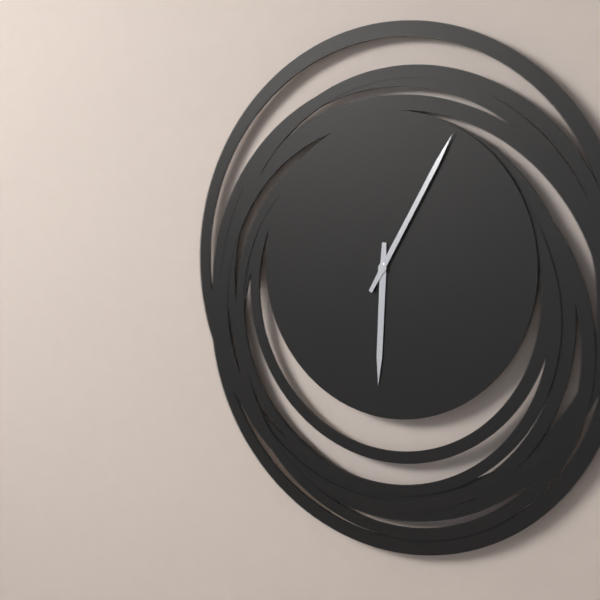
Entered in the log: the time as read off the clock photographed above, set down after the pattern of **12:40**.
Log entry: **6:05**
